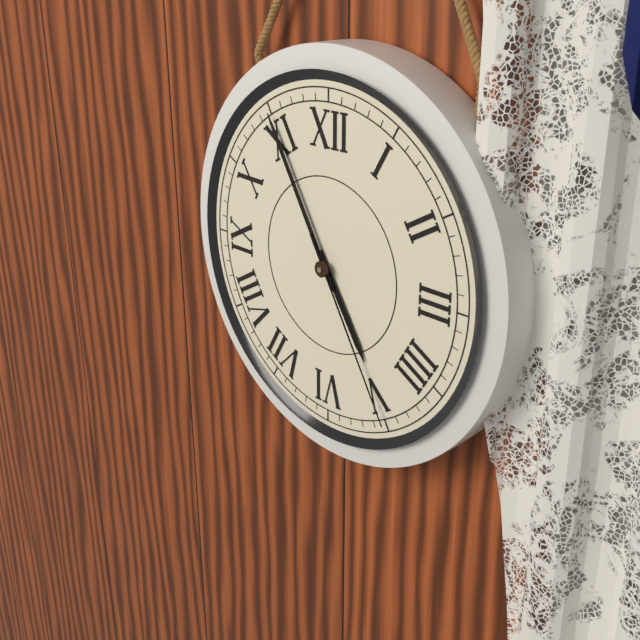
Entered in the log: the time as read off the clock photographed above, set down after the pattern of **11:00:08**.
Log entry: **4:55:25**
